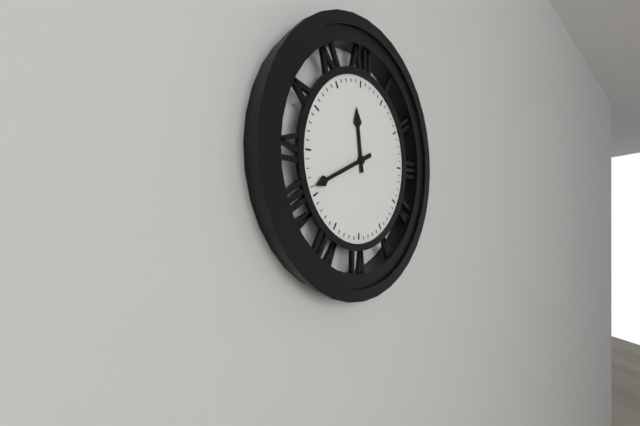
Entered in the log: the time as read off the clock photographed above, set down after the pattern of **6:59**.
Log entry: **11:41**
